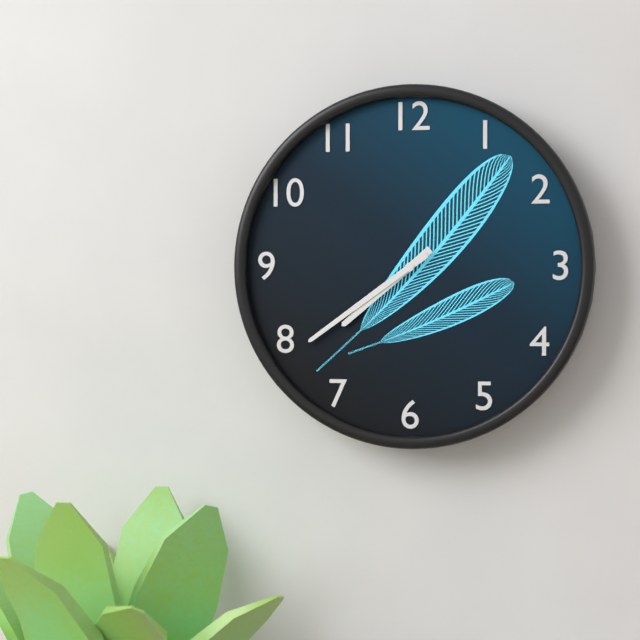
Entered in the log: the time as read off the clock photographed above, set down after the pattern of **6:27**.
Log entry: **7:39**
